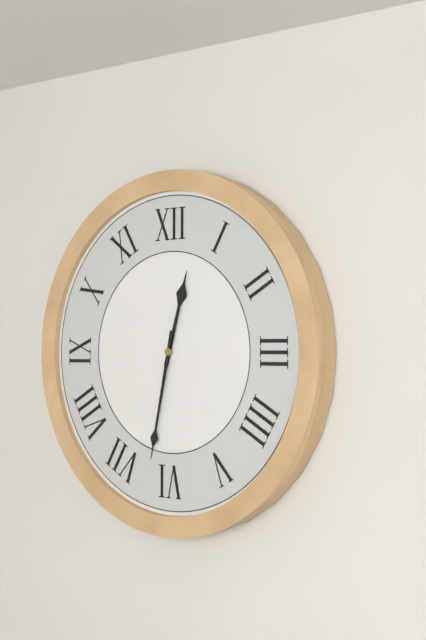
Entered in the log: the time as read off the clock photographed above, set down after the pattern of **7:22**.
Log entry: **12:32**
